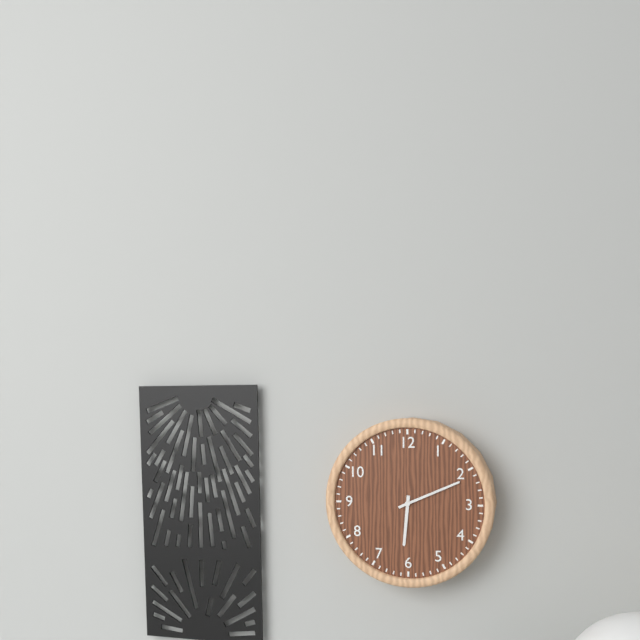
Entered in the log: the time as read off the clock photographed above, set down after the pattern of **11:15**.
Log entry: **6:11**
